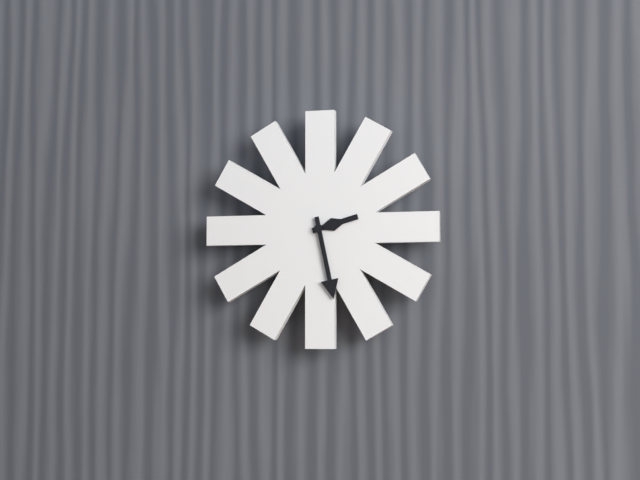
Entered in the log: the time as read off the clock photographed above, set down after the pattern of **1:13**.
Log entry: **2:28**
